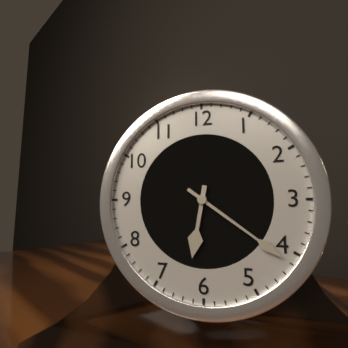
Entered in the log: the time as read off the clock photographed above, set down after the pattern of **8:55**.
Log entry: **6:21**
